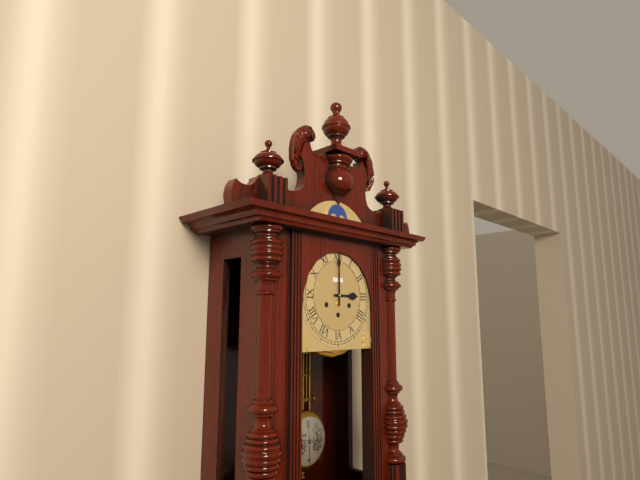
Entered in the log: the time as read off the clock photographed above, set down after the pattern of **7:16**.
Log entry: **3:00**
